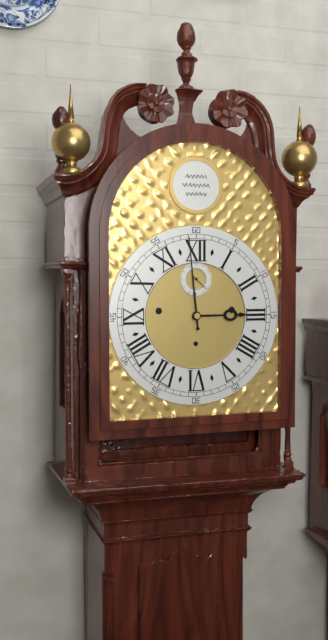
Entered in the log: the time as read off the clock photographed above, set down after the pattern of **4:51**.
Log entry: **2:59**
